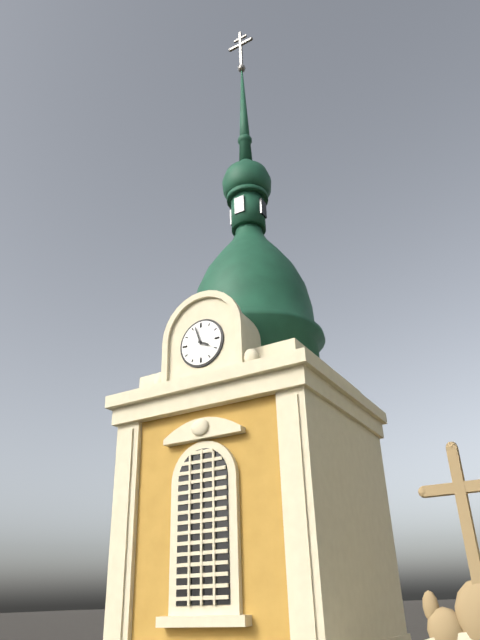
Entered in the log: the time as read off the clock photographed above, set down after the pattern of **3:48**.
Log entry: **3:57**
